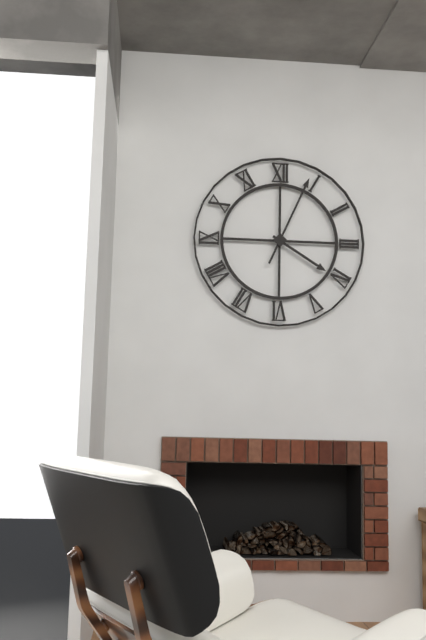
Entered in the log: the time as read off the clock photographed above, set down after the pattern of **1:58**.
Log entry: **4:04**
